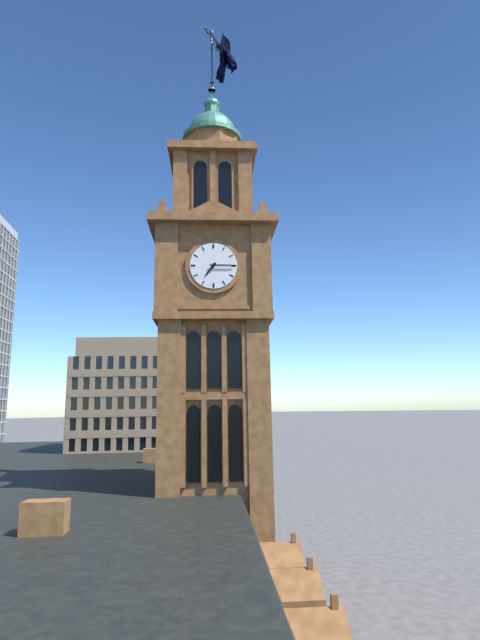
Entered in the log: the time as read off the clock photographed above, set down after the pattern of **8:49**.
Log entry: **7:15**
